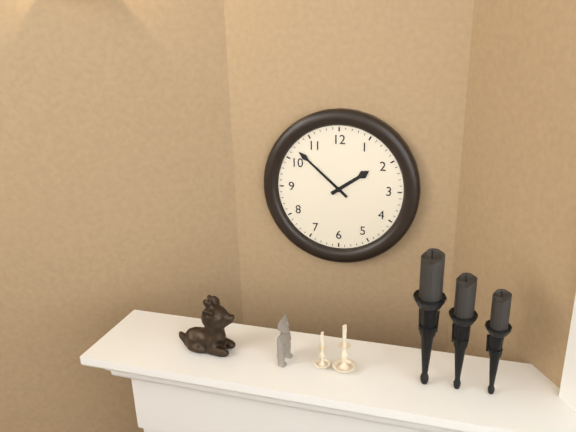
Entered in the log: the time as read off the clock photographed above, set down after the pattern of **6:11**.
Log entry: **1:52**
